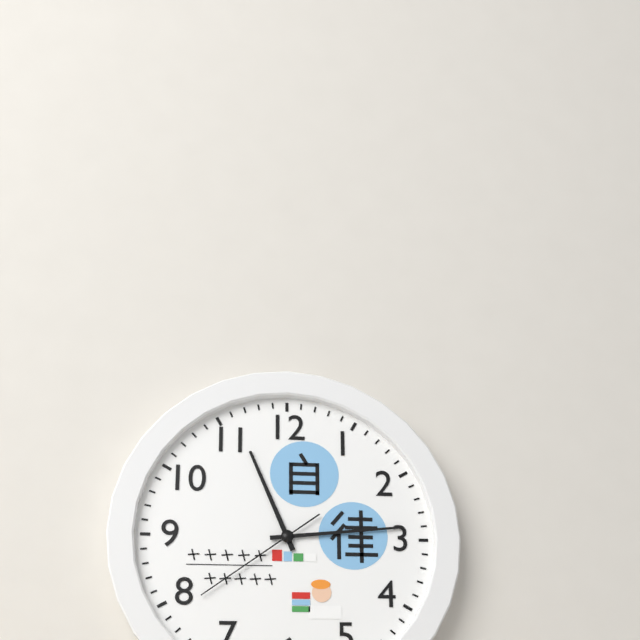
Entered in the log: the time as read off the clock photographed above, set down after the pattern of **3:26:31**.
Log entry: **11:14:39**
